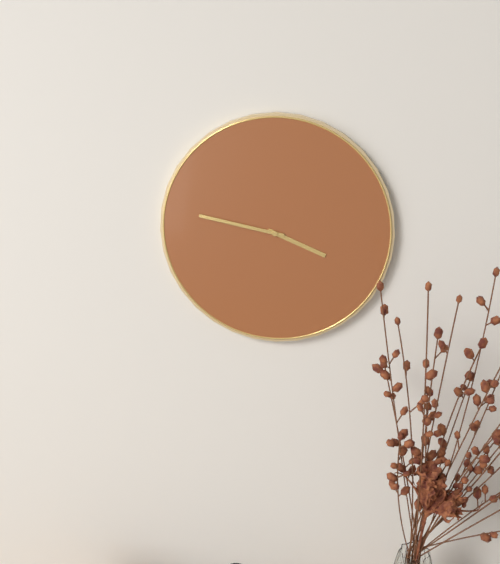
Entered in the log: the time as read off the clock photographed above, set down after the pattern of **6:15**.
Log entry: **3:47**
